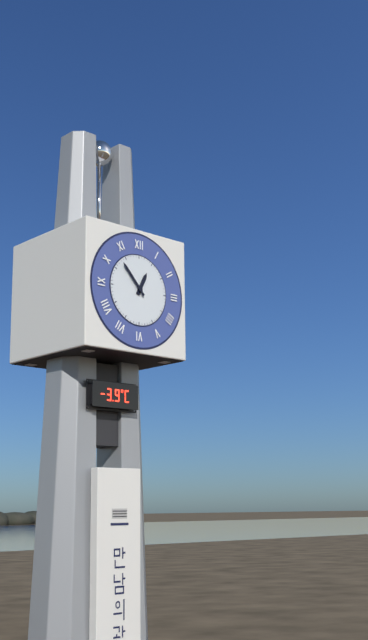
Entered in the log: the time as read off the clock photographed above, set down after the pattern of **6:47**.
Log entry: **12:53**
